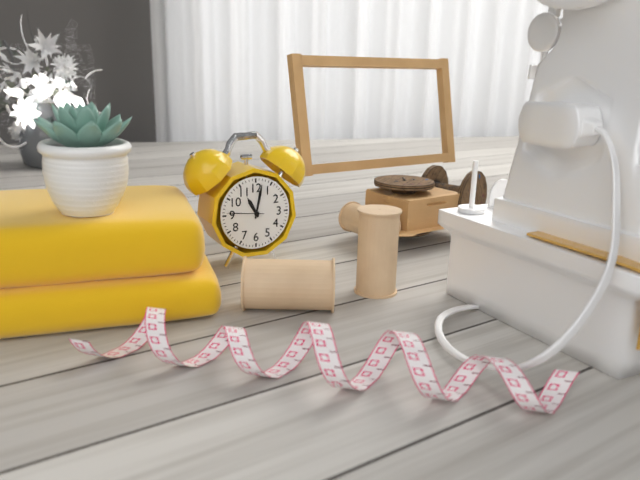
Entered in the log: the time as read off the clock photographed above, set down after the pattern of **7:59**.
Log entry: **11:02**
